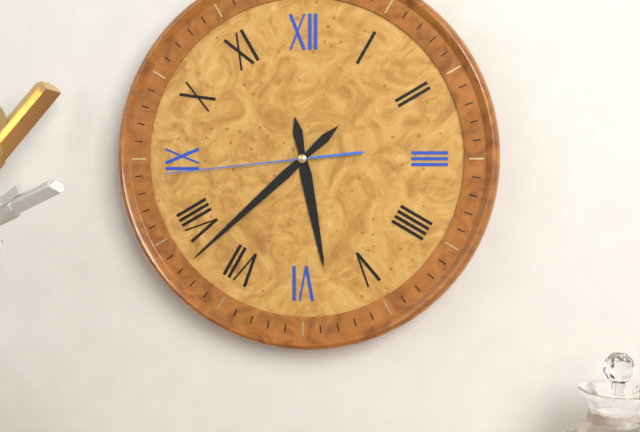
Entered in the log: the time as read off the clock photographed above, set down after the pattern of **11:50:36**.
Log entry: **5:38:44**
